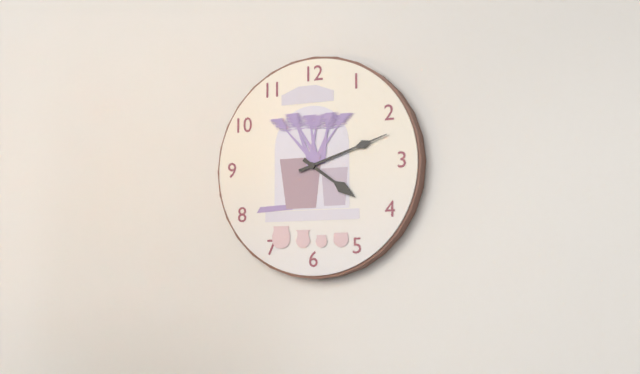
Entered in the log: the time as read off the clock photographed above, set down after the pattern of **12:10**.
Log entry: **4:12**
